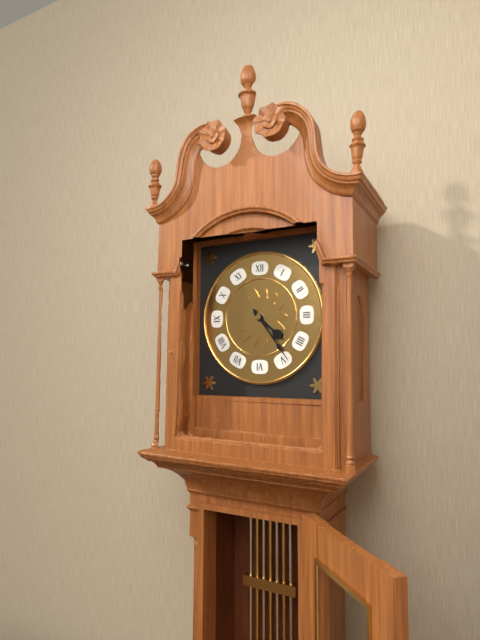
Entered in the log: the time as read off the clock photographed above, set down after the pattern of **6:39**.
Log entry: **4:24**
